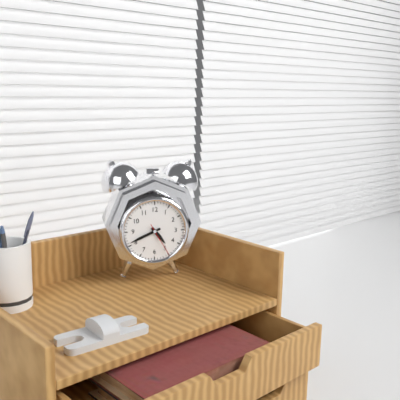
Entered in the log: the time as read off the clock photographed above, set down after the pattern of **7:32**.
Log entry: **4:41**
